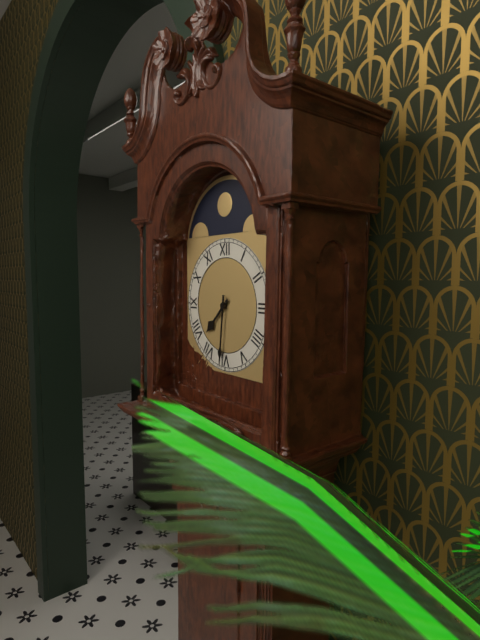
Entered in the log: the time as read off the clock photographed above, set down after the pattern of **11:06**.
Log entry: **7:31**
